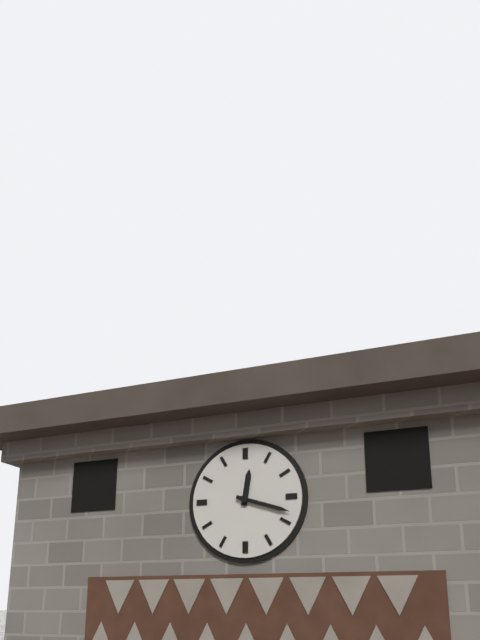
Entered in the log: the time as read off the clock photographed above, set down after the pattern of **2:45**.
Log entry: **12:18**
